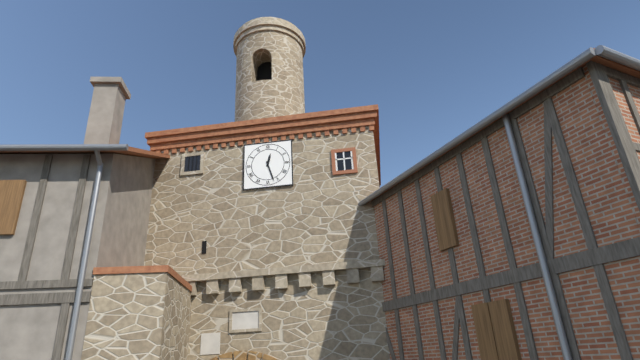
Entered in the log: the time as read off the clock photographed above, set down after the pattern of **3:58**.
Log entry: **12:27**
